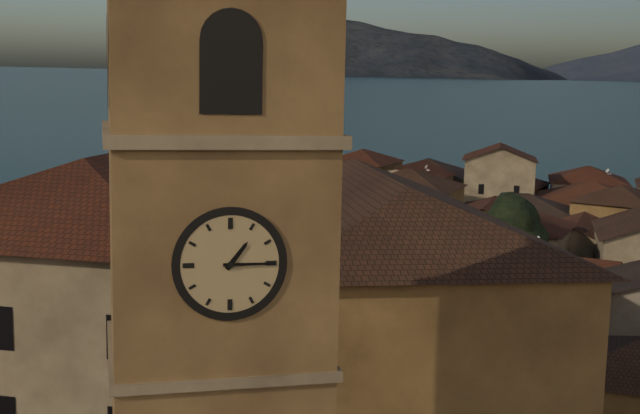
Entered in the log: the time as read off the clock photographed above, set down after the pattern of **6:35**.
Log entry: **1:15**
